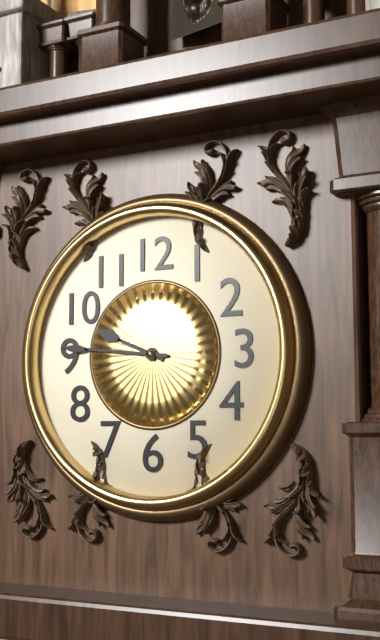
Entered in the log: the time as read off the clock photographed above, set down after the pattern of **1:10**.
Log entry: **9:46**
